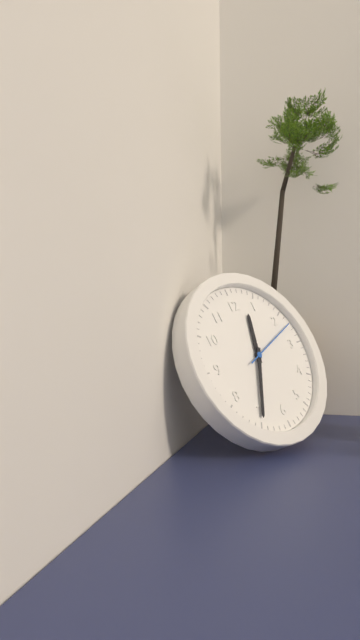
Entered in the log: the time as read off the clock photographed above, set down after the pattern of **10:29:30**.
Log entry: **12:35:12**
